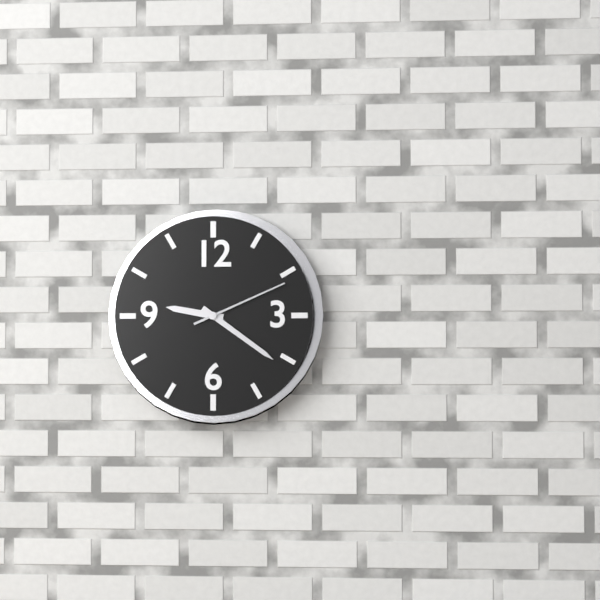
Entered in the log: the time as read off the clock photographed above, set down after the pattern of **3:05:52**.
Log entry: **9:21:11**
